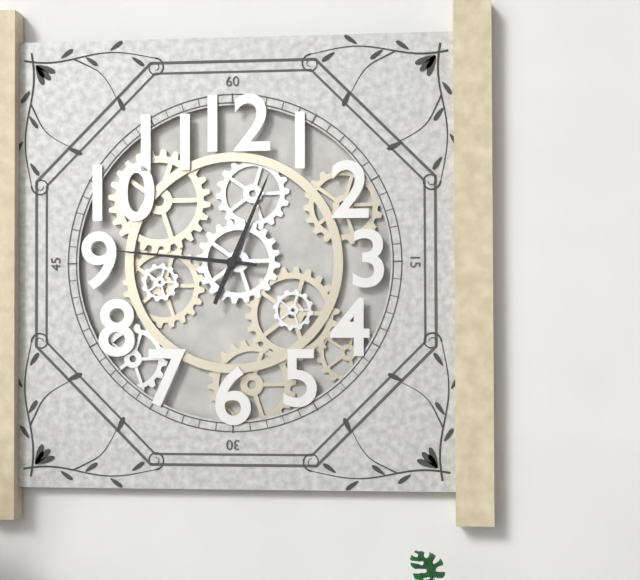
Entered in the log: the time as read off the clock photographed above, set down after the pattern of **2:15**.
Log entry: **12:46**
